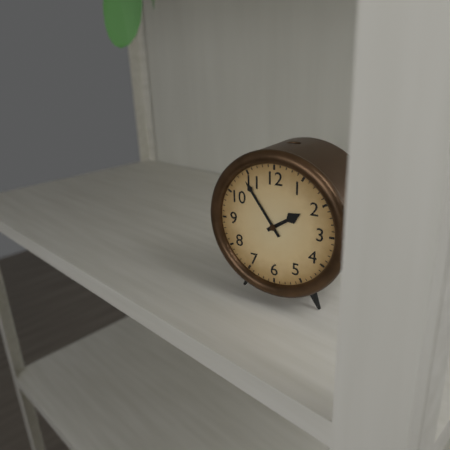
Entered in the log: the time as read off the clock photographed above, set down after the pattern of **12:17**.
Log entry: **1:54**
